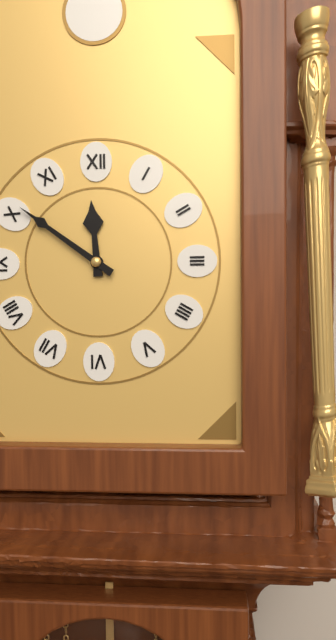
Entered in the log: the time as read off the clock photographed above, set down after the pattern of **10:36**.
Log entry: **11:51**
